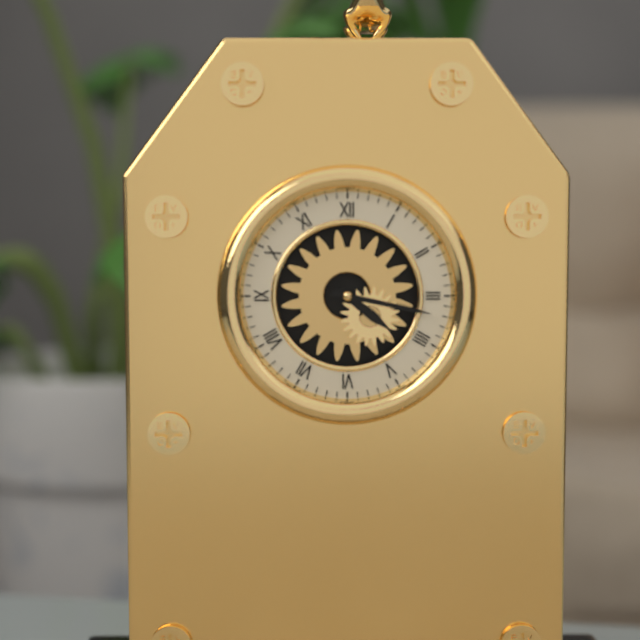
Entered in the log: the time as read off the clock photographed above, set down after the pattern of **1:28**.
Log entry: **4:17**
